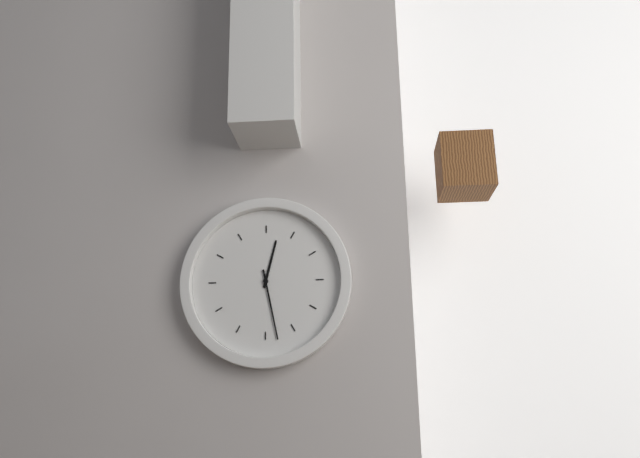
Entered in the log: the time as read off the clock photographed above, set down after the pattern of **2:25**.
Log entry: **12:28**
